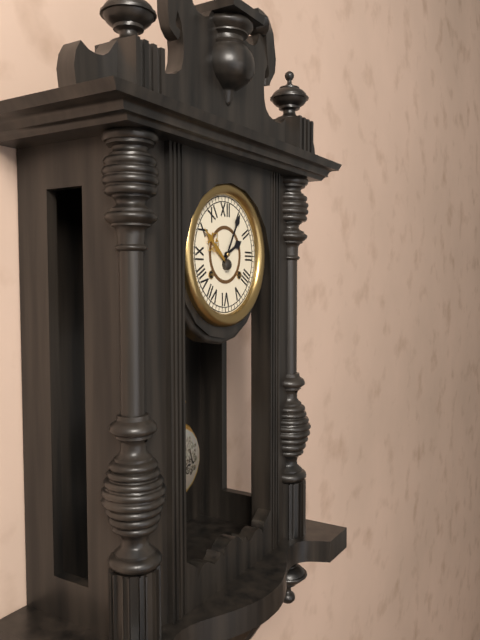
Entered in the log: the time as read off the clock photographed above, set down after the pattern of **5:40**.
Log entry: **2:05**
